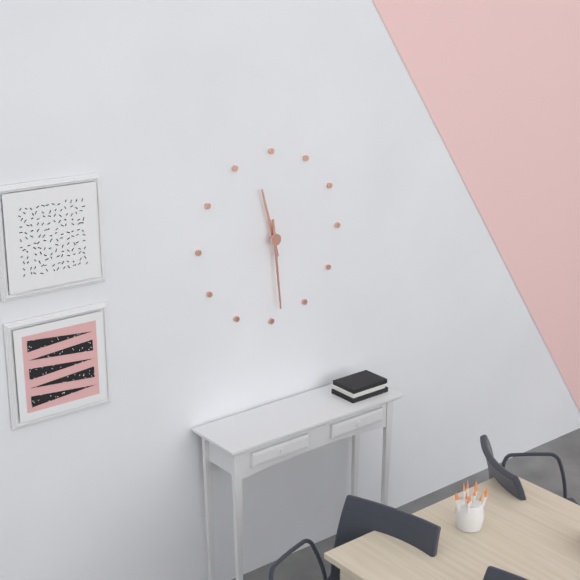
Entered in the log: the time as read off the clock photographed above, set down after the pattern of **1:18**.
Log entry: **11:29**
